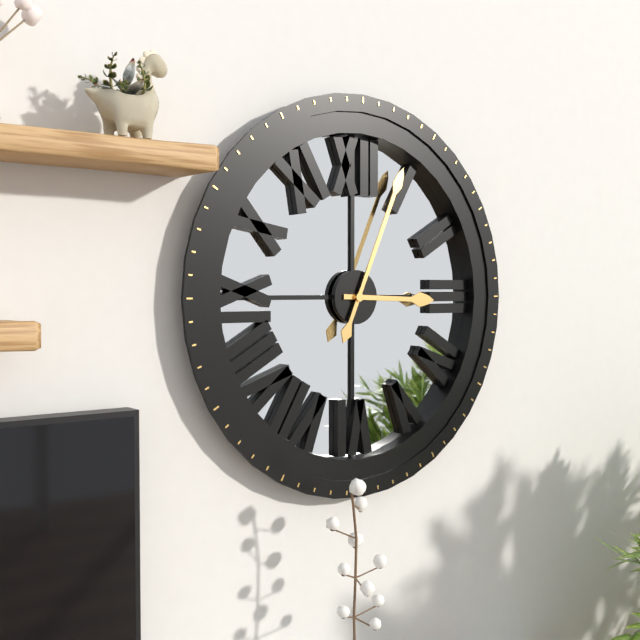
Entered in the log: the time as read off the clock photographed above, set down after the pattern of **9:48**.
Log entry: **3:04**
